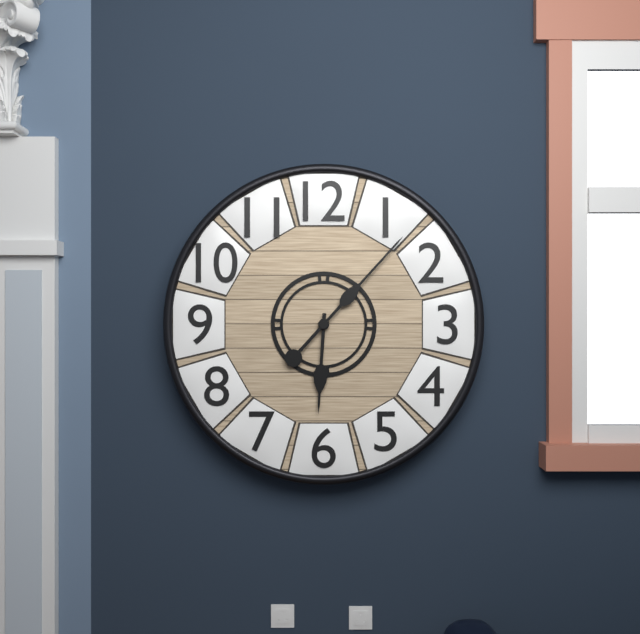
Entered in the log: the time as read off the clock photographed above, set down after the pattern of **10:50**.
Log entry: **6:07**
